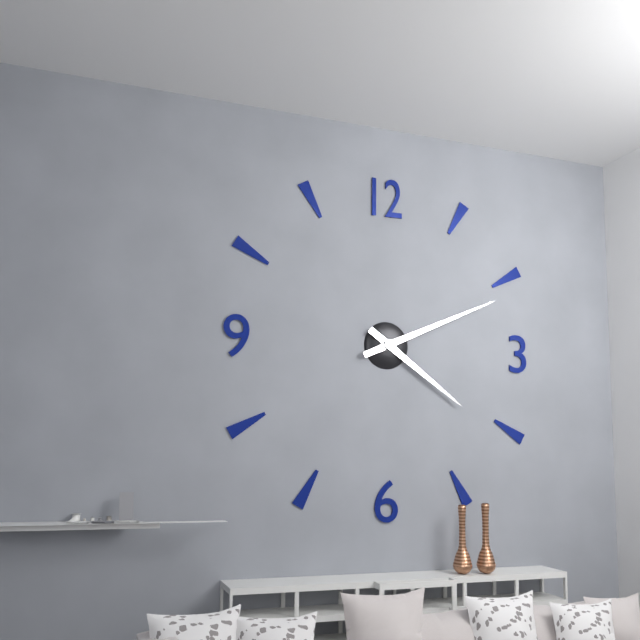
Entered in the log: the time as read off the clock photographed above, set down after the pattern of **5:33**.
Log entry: **4:11**
